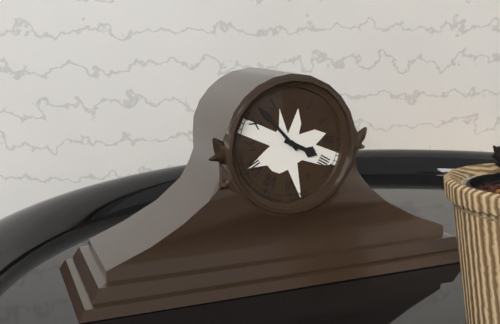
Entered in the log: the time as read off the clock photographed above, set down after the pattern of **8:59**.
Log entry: **3:53**
